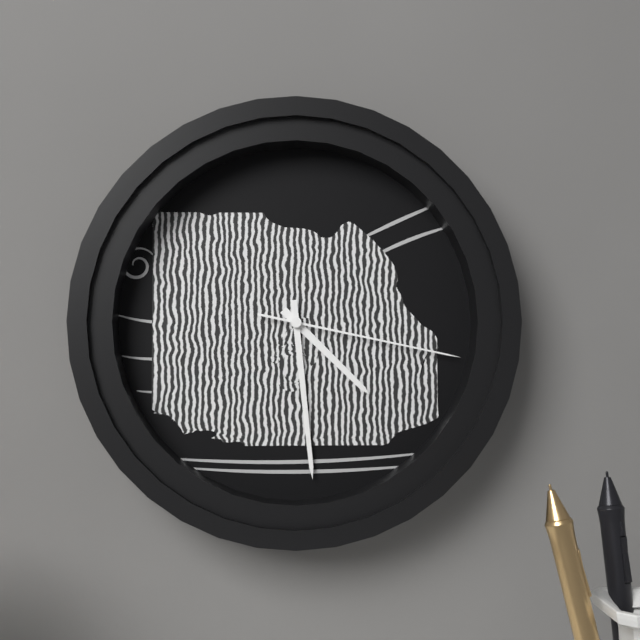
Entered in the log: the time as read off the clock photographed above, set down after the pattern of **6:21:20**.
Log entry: **4:29:17**
